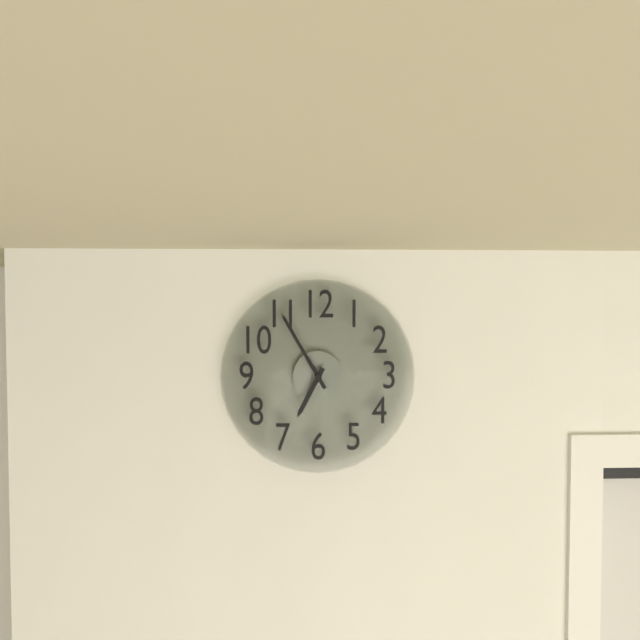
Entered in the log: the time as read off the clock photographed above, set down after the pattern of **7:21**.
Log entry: **6:55**
